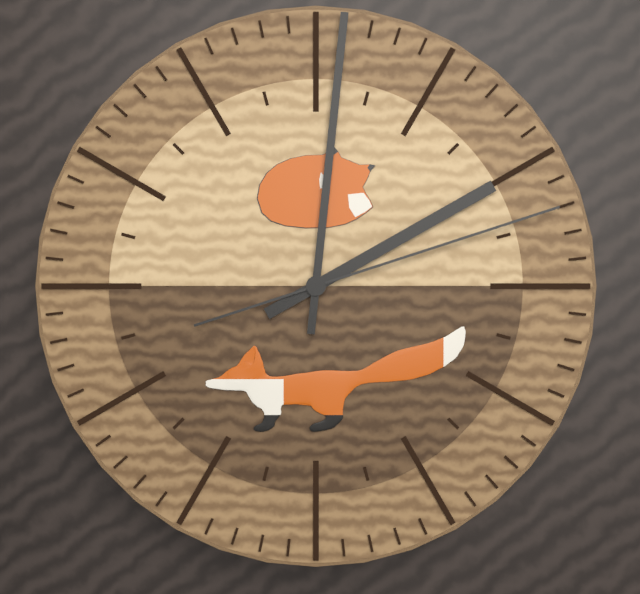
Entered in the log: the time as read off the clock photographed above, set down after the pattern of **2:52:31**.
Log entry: **2:01:12**
